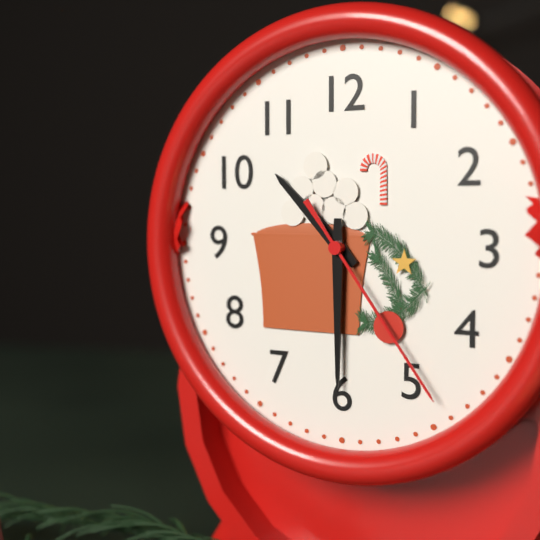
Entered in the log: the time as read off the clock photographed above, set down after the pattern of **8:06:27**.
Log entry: **10:30:24**
